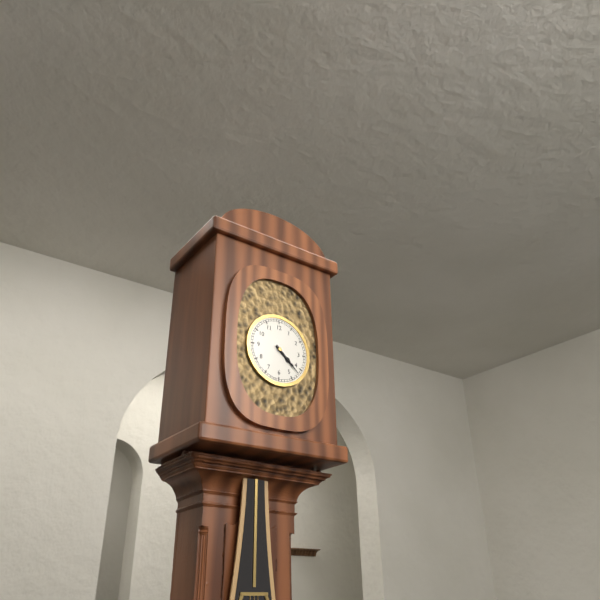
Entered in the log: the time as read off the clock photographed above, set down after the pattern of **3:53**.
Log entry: **4:22**
